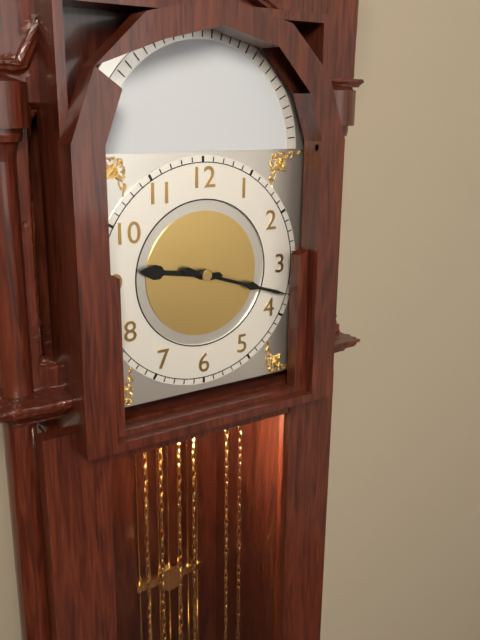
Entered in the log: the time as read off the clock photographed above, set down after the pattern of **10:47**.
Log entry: **9:18**
